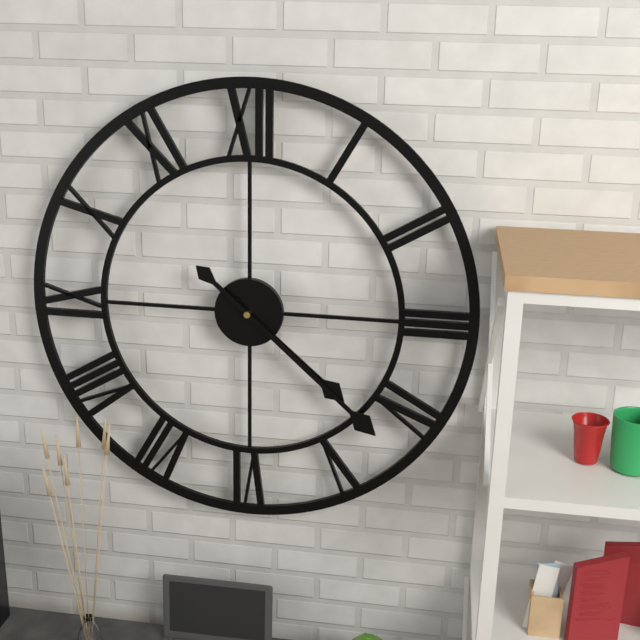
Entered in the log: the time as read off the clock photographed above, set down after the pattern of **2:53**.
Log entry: **4:22**
